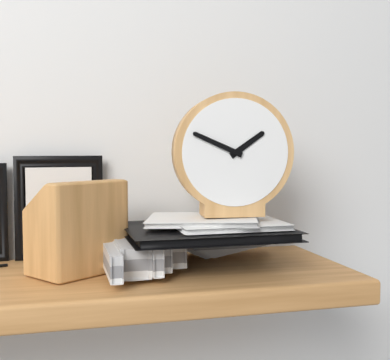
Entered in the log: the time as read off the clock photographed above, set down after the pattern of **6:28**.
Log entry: **1:49**
